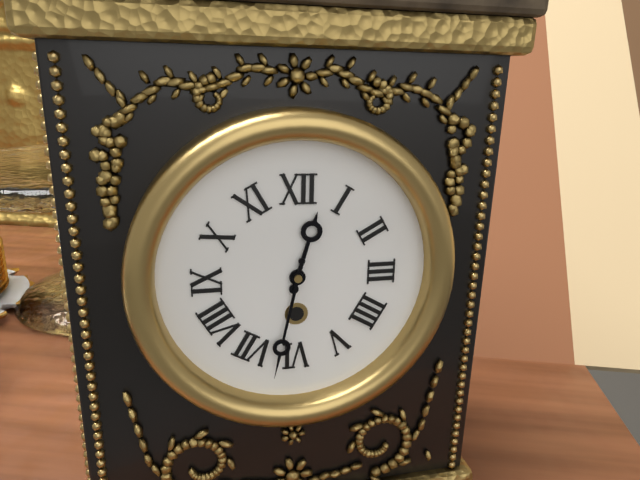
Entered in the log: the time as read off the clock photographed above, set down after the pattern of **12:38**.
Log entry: **12:32**
